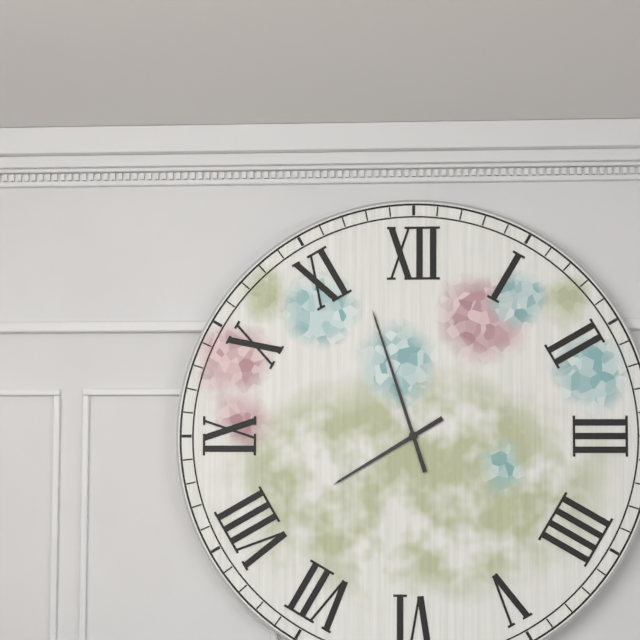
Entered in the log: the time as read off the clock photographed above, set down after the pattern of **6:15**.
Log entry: **7:57**
